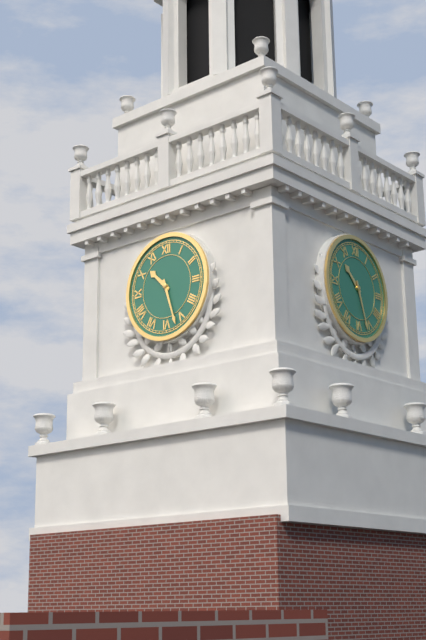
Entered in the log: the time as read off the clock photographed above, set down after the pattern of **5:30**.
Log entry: **10:27**
